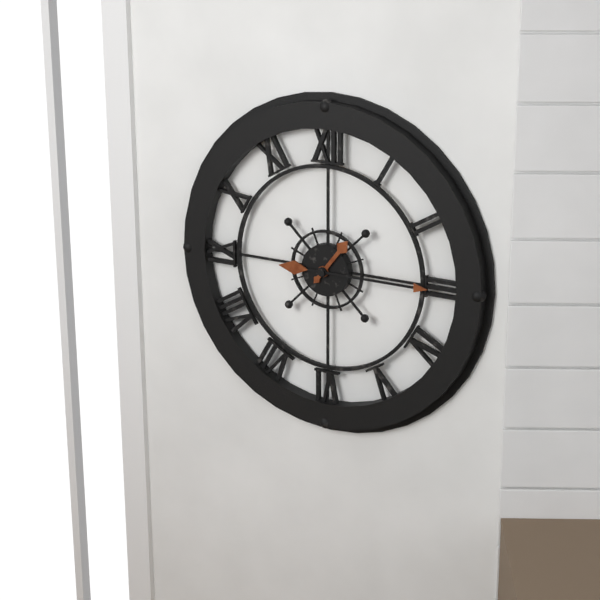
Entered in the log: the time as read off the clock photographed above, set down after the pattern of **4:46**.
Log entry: **1:15**
